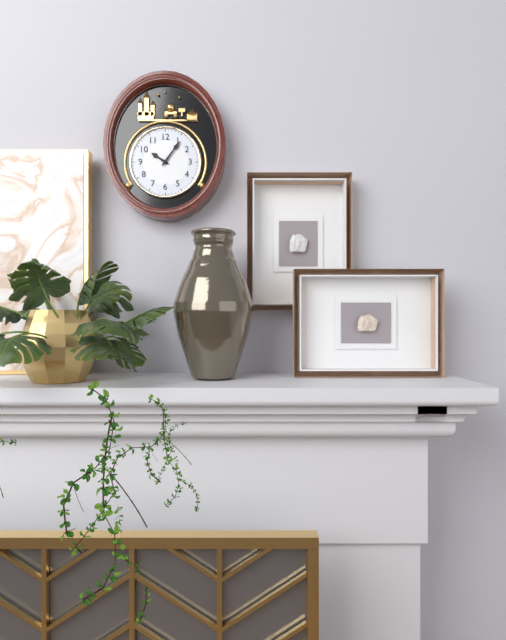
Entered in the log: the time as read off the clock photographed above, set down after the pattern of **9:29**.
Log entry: **10:06**
